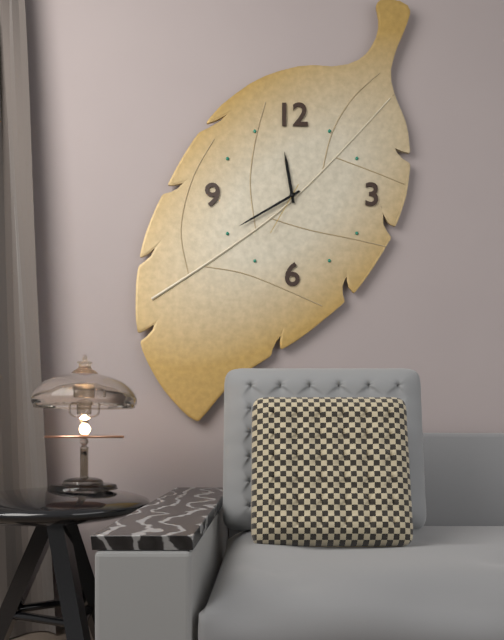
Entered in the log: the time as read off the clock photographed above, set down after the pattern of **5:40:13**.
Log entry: **11:40:35**
